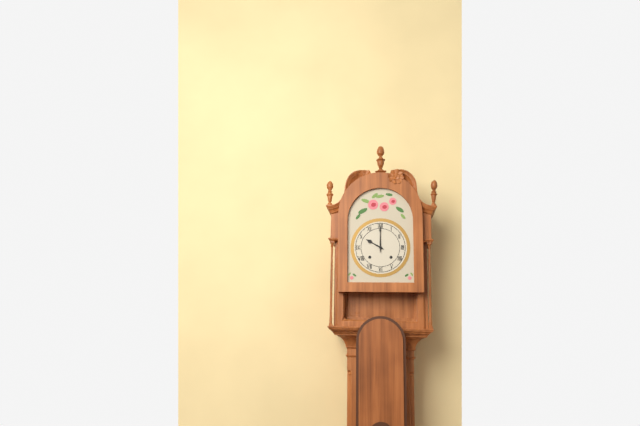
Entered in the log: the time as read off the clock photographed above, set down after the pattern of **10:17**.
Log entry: **10:00**
